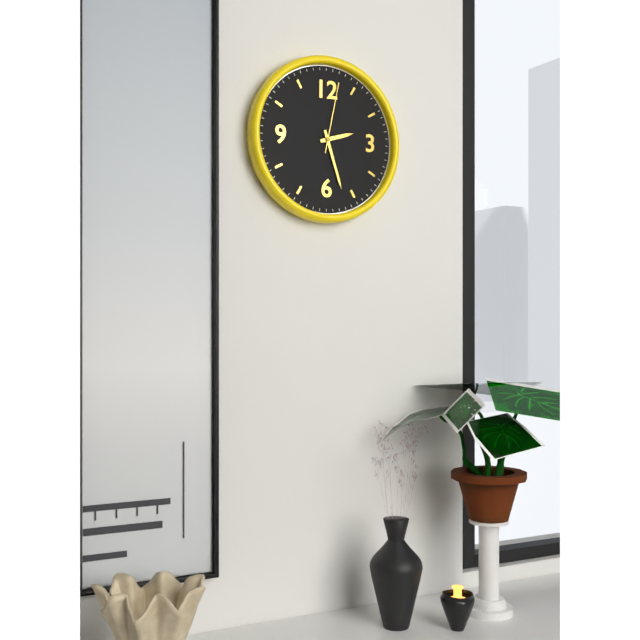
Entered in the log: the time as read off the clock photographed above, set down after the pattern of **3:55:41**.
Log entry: **2:27:02**
